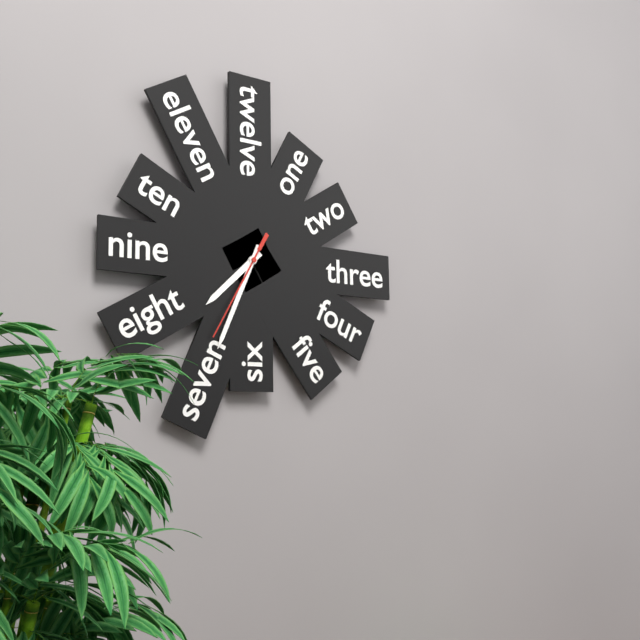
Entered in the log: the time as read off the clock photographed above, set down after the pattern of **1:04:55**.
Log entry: **7:34:35**
